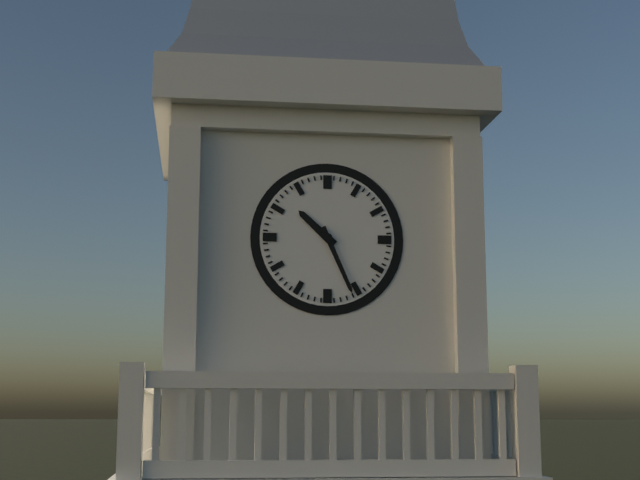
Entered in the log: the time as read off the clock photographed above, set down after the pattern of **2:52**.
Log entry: **10:26**
